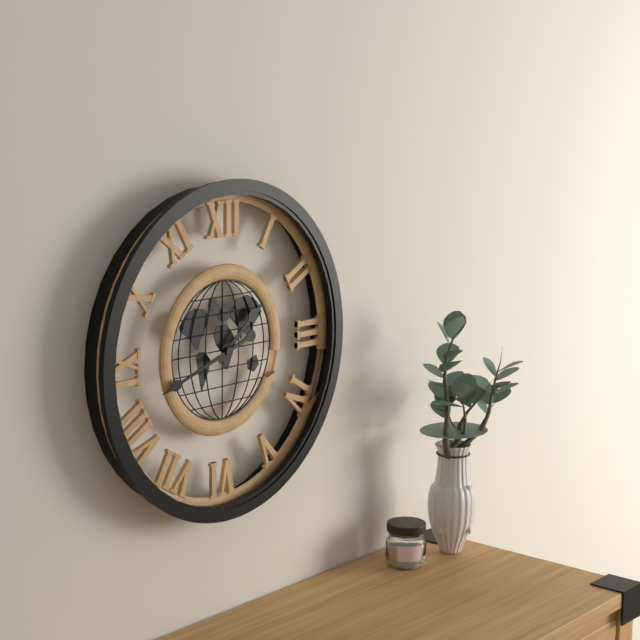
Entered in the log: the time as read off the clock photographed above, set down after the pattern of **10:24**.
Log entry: **1:42**
